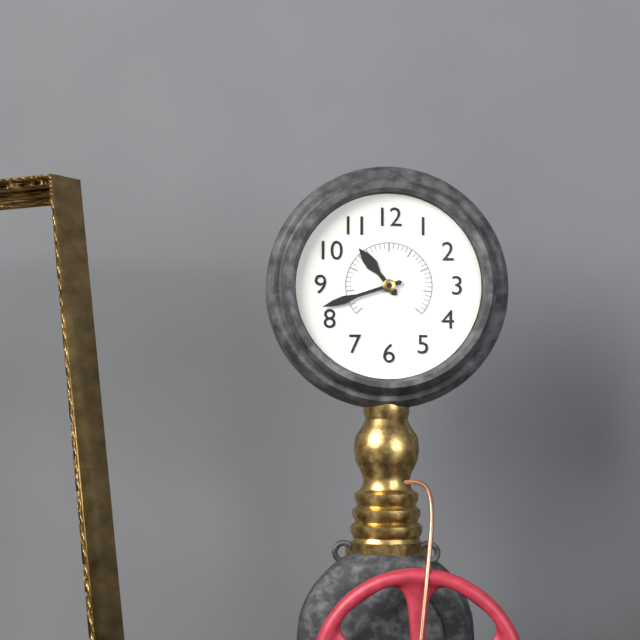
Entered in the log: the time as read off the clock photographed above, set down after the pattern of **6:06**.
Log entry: **10:42**
